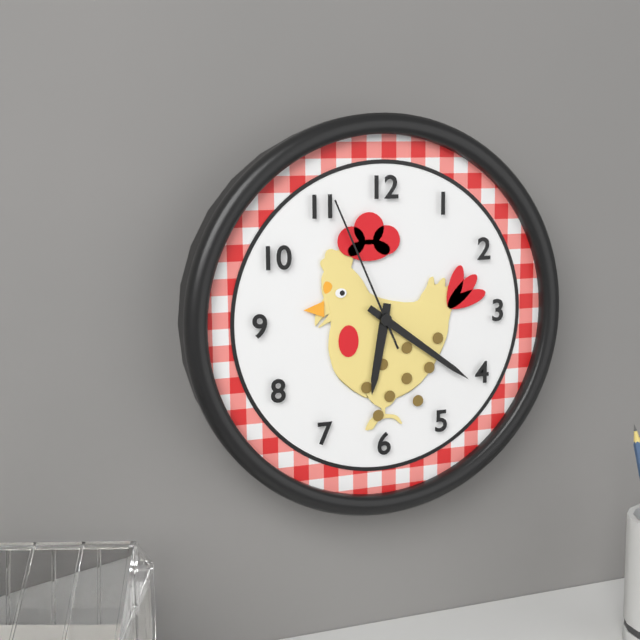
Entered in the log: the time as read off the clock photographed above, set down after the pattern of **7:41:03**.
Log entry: **6:21:56**
